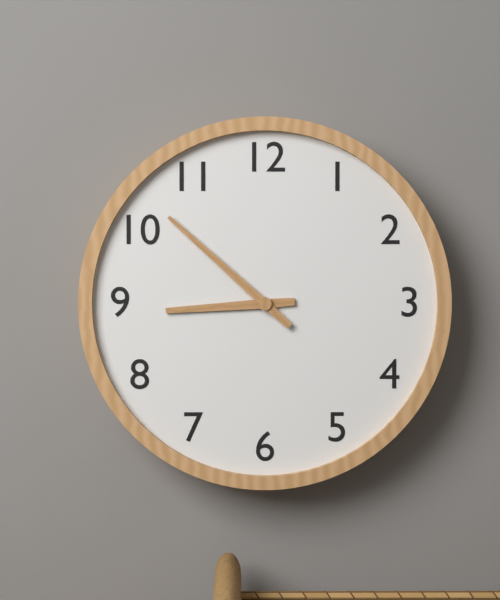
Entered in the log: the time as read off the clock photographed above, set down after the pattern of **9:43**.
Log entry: **8:52**
